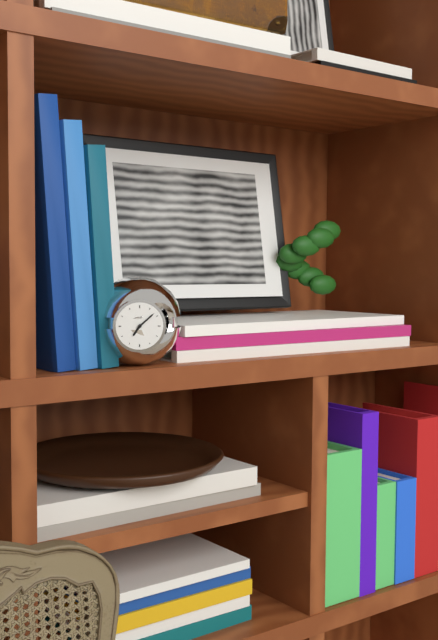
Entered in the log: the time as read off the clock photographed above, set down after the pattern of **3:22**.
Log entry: **7:08**
